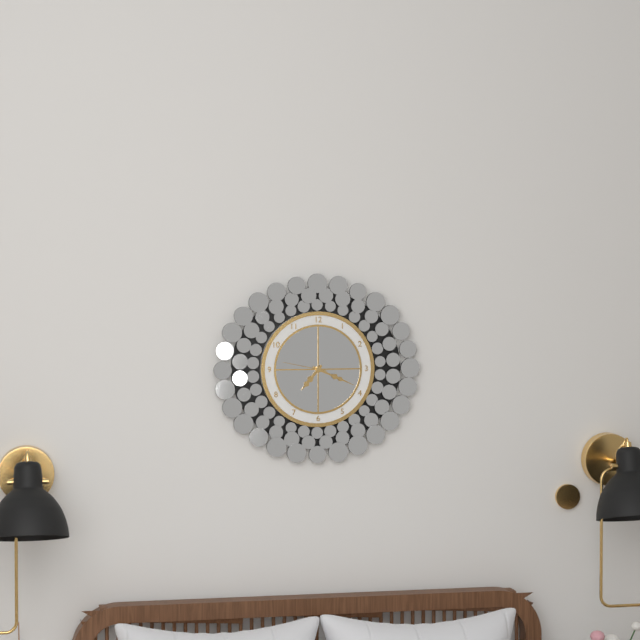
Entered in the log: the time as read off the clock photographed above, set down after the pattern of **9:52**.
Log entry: **7:19**
